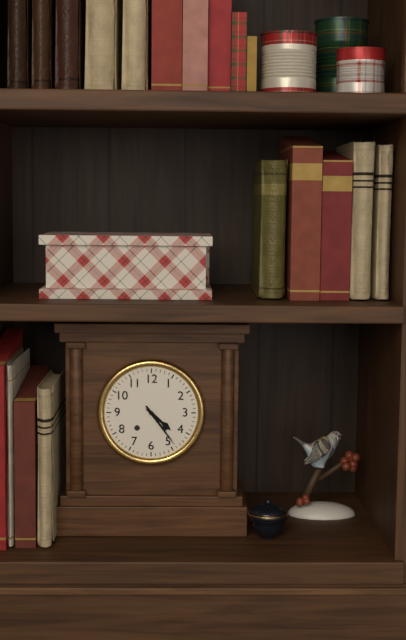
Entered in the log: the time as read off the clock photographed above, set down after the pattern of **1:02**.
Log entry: **4:24**
